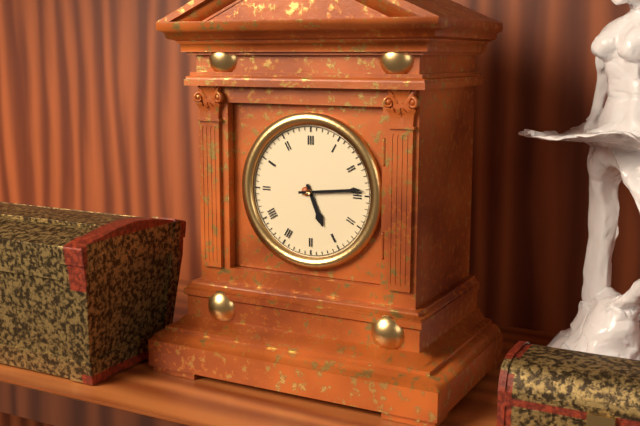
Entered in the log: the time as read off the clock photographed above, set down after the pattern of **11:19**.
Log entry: **5:14**
